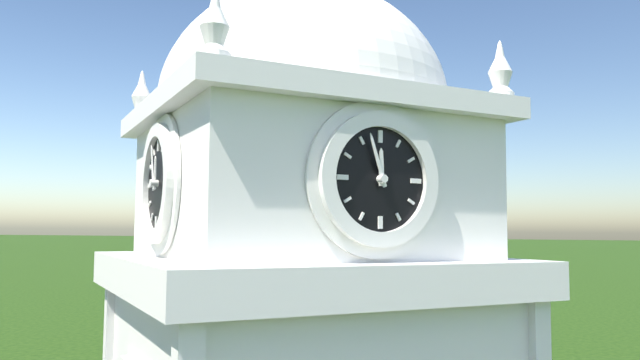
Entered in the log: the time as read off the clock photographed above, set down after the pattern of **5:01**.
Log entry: **11:57**
